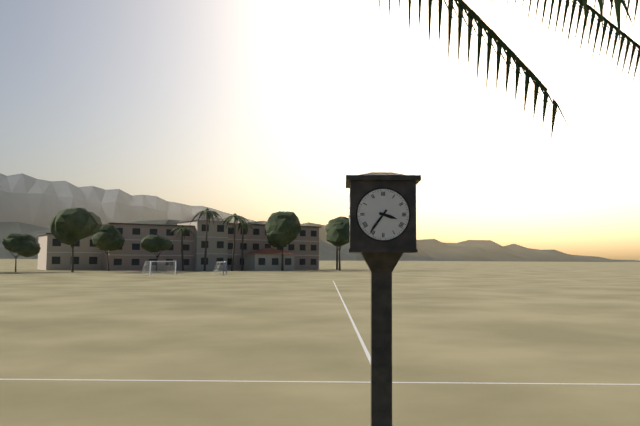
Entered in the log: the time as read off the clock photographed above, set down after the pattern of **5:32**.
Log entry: **3:36**
